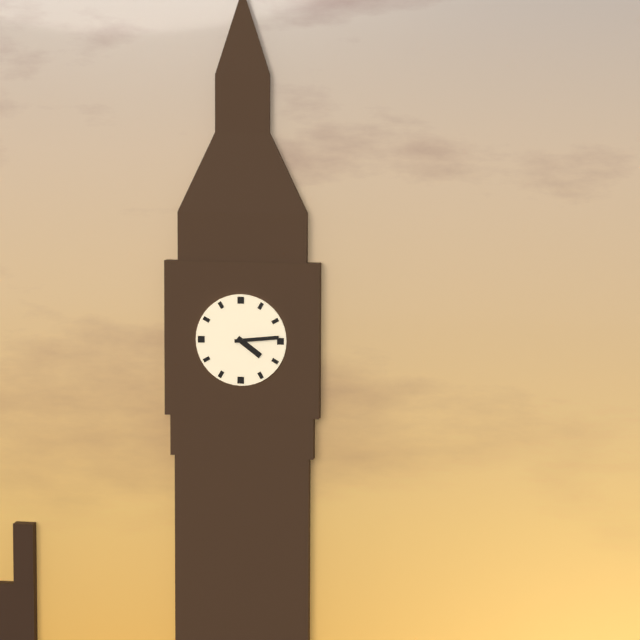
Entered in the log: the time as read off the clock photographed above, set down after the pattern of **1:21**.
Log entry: **4:14**
